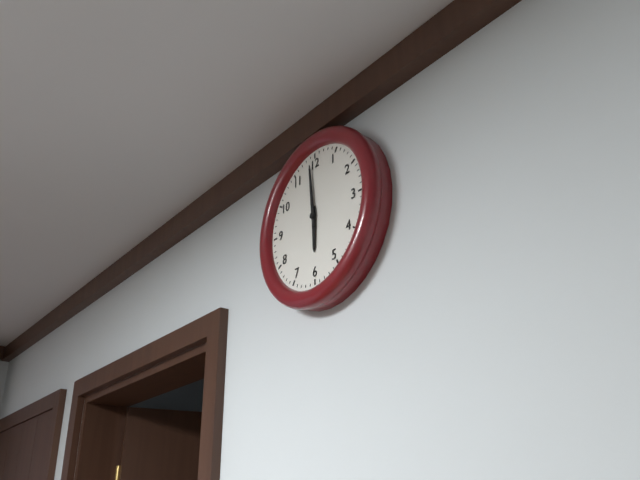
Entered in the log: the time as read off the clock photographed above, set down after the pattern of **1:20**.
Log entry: **5:59**
